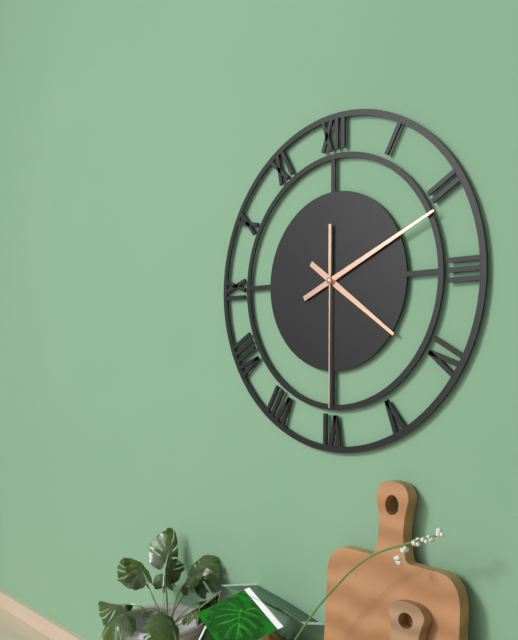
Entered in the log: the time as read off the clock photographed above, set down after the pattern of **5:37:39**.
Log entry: **4:11:30**
